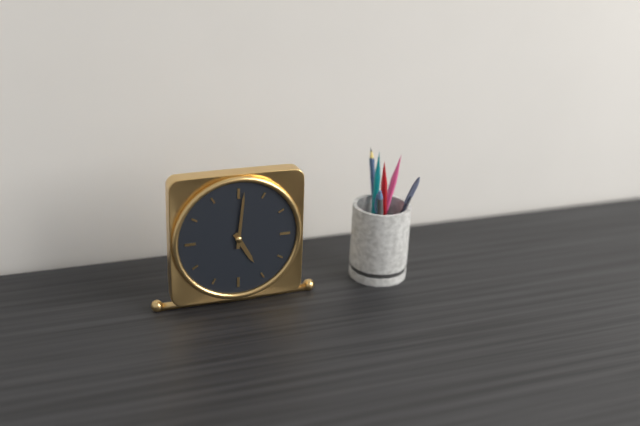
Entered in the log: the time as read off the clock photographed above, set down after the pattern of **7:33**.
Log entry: **5:01**
